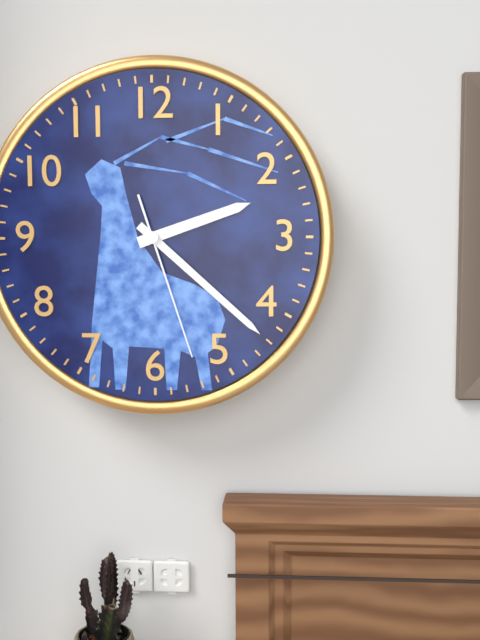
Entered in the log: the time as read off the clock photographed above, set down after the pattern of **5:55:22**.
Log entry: **2:22:27**
